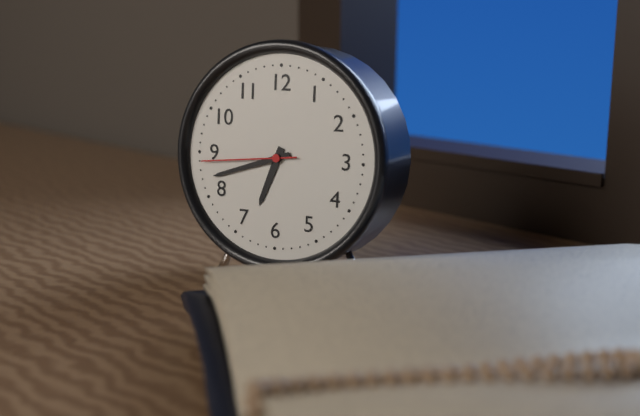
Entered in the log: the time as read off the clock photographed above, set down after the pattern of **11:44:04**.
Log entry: **6:42:44**
